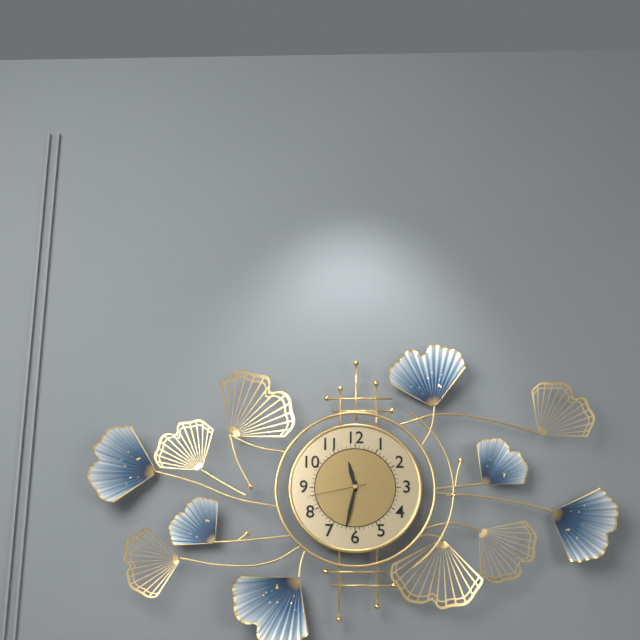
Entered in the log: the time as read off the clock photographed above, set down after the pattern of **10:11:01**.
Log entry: **11:32:43**
